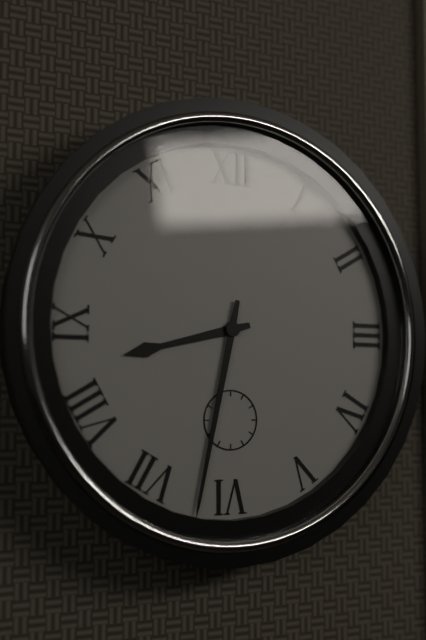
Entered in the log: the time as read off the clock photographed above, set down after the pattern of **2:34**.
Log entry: **8:32**
